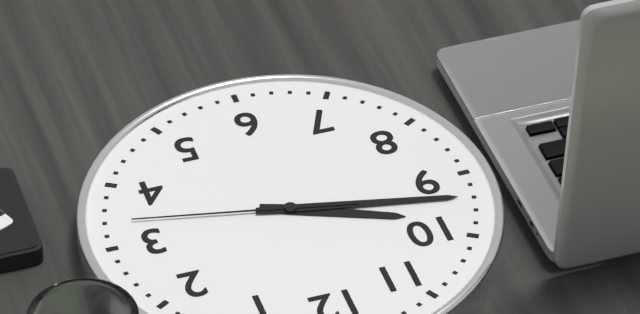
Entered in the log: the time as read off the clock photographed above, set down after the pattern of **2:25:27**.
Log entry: **9:47:17**
